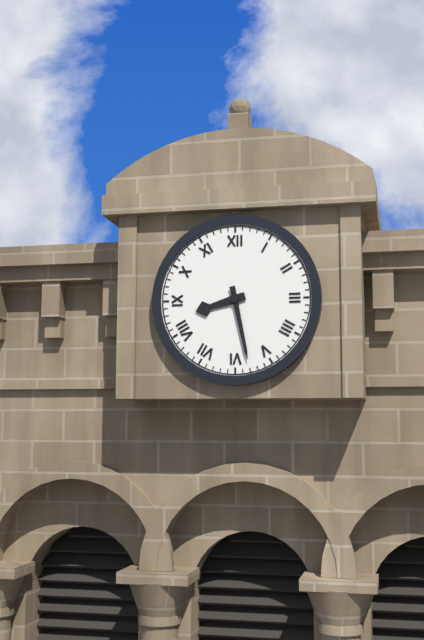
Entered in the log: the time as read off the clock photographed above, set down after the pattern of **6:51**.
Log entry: **8:28**
